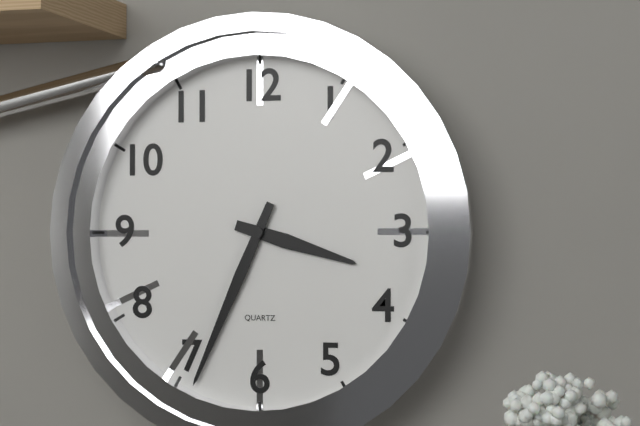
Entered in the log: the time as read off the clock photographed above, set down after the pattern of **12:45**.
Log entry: **3:34**
